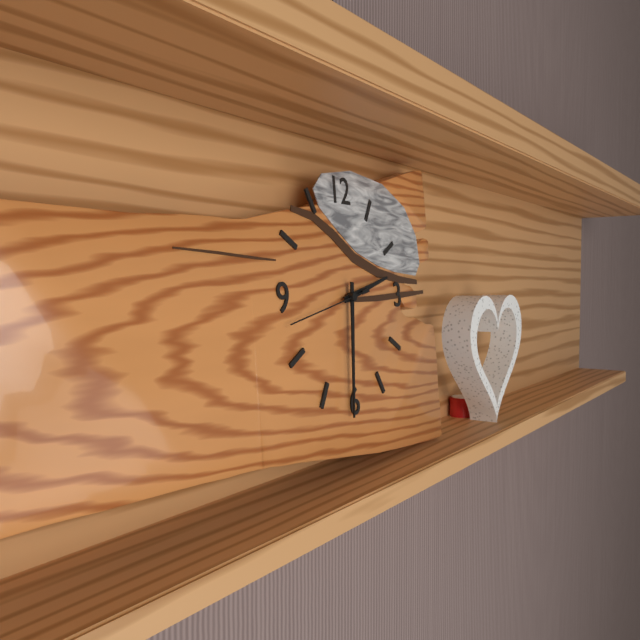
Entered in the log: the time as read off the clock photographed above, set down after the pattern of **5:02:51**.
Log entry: **2:31:43**
